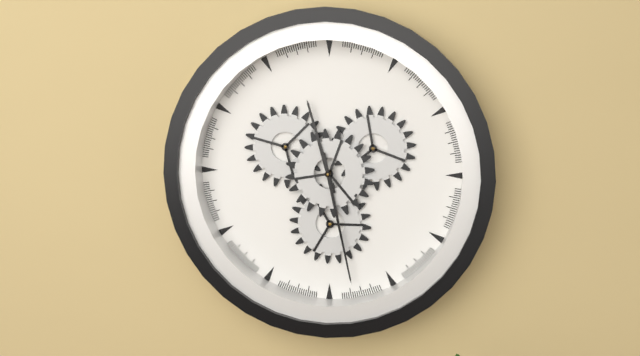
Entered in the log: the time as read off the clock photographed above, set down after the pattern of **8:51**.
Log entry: **11:28**
